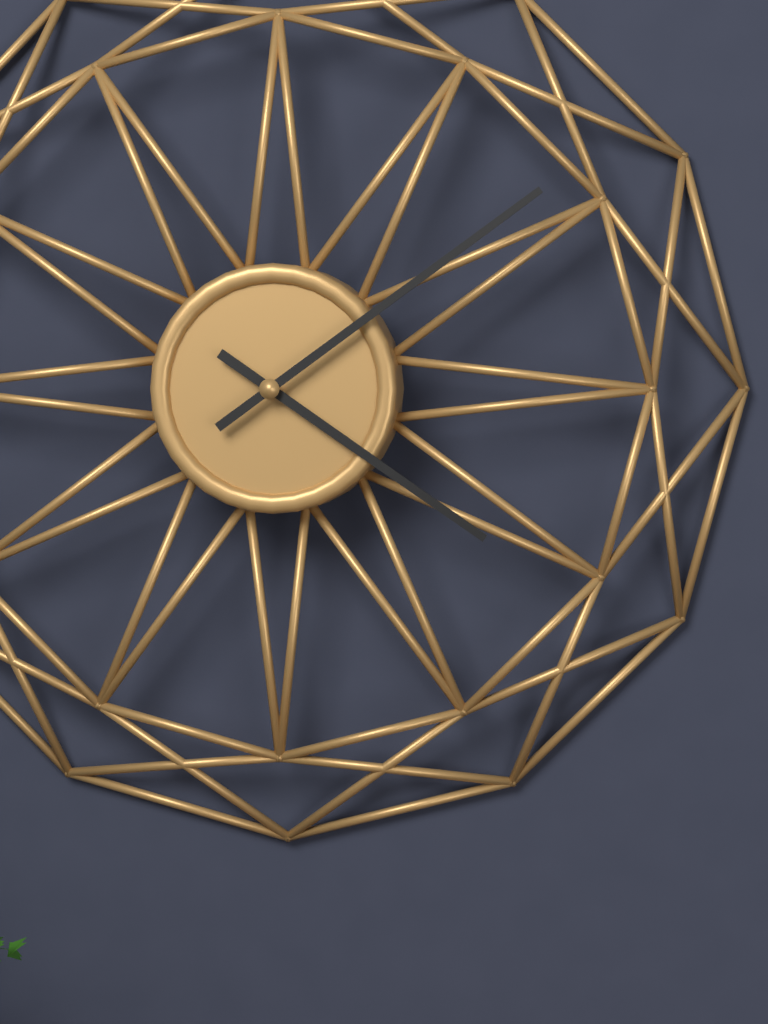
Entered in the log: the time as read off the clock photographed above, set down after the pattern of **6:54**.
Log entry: **4:09**
